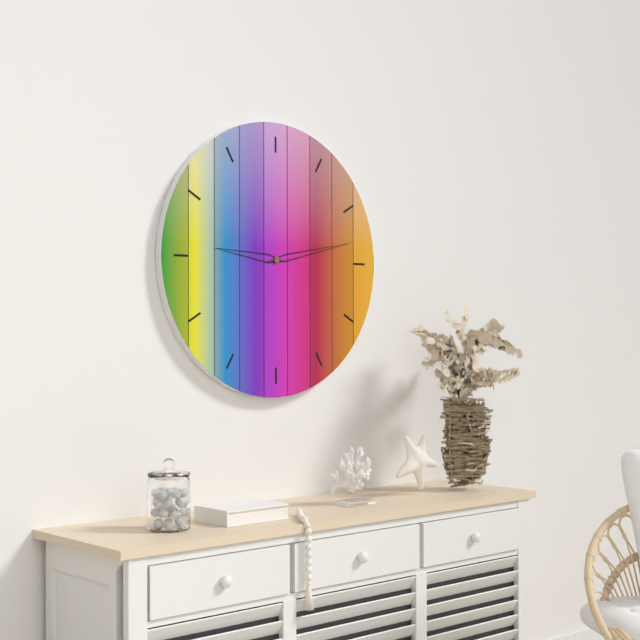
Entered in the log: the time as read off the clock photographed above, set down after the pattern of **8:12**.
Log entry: **9:13**
